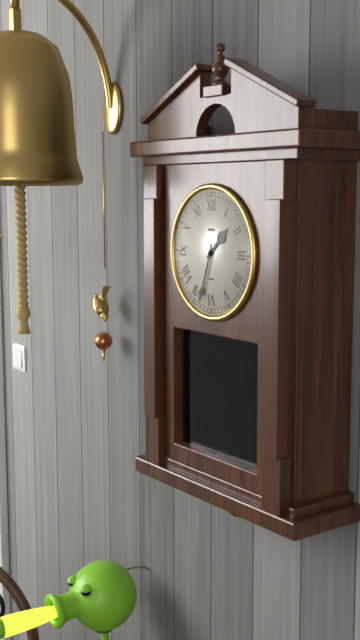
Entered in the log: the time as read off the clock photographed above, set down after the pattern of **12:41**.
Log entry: **1:33**
